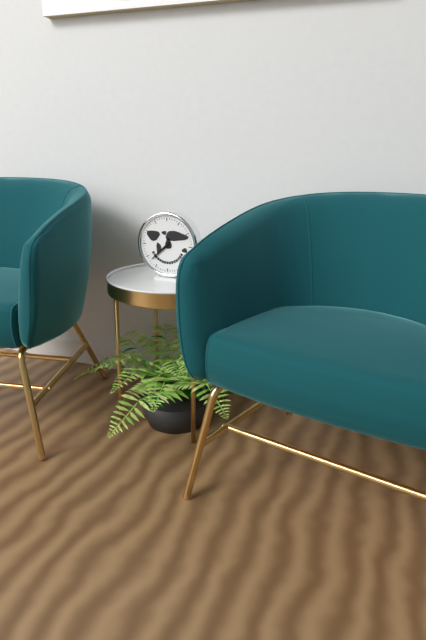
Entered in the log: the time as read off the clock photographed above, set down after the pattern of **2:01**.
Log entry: **7:38**
